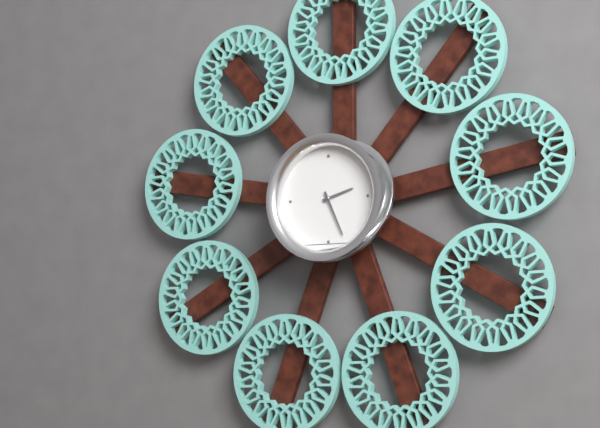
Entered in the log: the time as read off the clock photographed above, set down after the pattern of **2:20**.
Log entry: **2:26**
